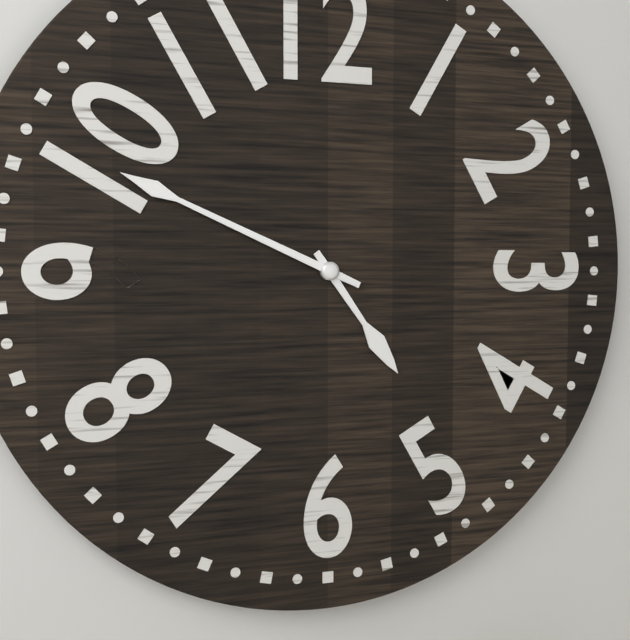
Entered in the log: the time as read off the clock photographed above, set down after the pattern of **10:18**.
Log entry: **4:49**
